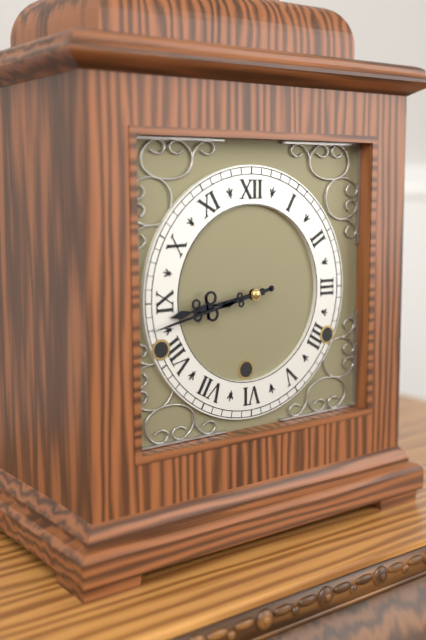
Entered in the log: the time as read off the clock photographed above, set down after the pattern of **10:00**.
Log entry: **8:43**
